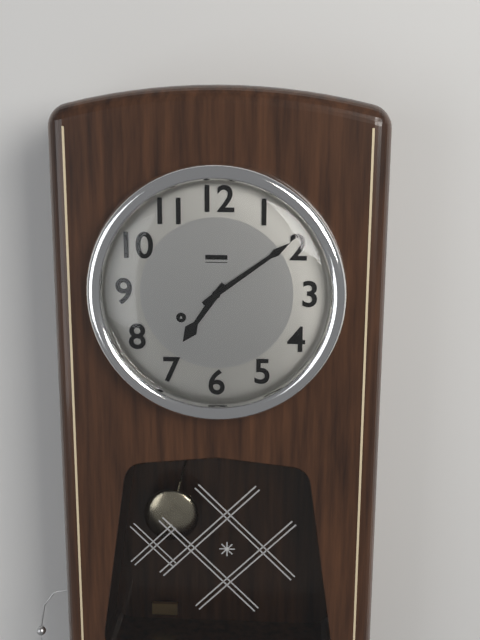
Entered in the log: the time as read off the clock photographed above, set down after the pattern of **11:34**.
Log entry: **7:09**
